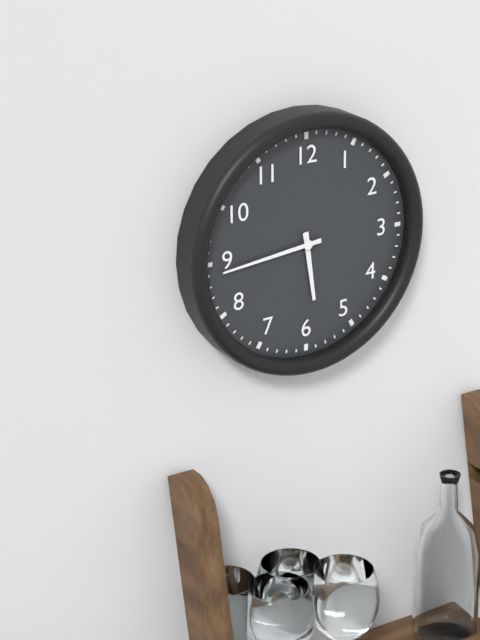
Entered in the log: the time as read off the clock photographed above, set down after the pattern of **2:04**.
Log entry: **5:44**
